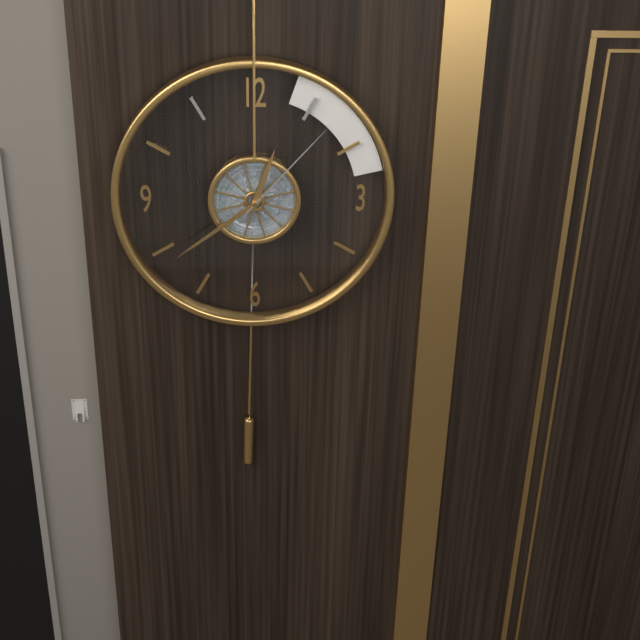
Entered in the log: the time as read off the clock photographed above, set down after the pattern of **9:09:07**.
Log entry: **12:39:07**
